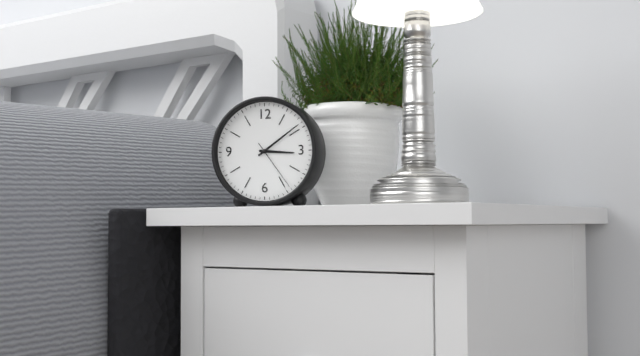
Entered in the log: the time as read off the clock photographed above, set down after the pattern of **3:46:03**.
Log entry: **3:09:24**
